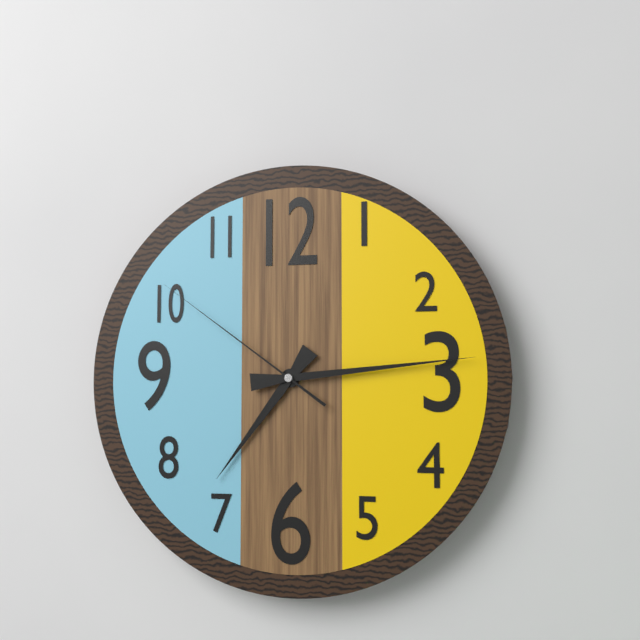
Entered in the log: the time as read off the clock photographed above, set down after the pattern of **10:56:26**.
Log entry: **7:14:51**
